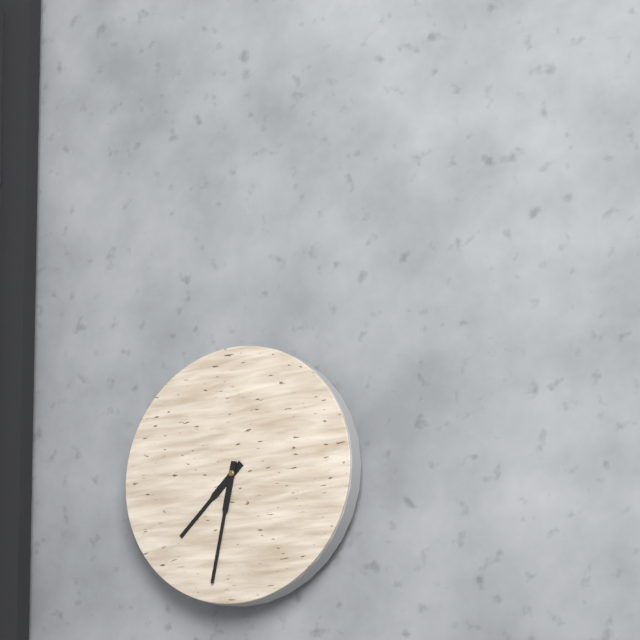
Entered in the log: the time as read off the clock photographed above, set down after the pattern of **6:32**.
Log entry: **7:32**
